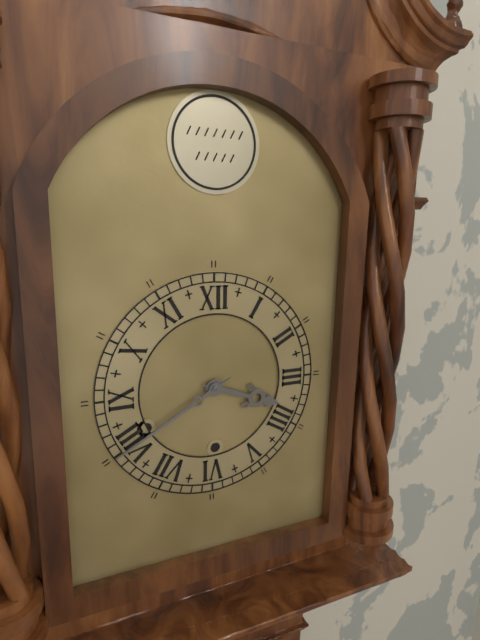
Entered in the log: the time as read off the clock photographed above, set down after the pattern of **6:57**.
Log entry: **3:40**
